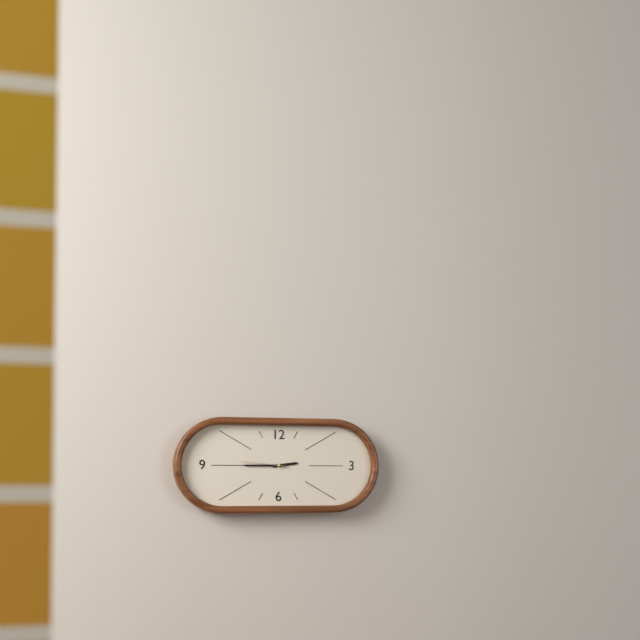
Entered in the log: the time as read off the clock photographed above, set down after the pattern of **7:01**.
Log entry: **2:45**
